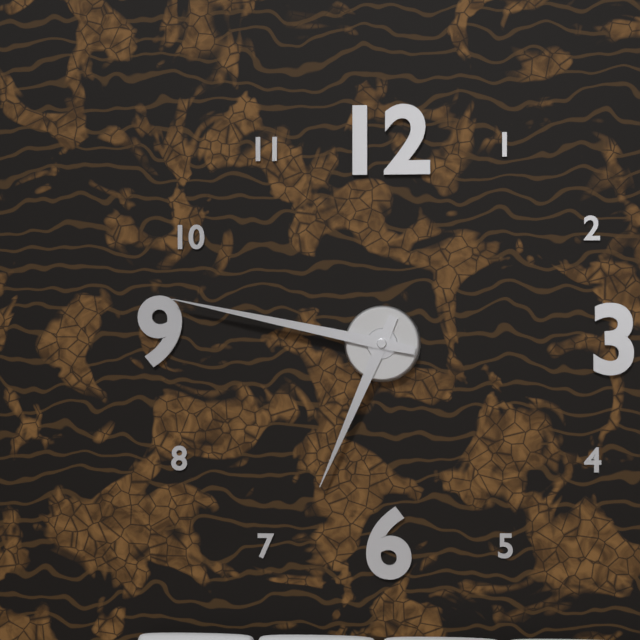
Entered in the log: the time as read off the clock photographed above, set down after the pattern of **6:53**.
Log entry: **6:47**
